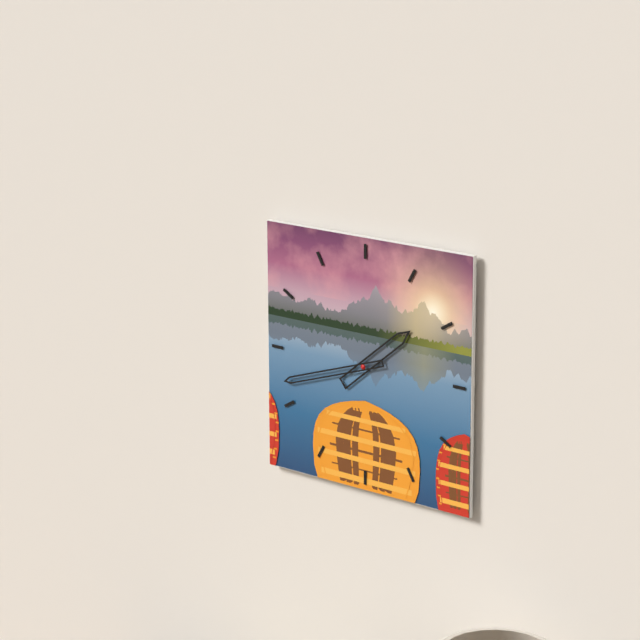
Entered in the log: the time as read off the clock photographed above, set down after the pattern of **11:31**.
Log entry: **1:42**
